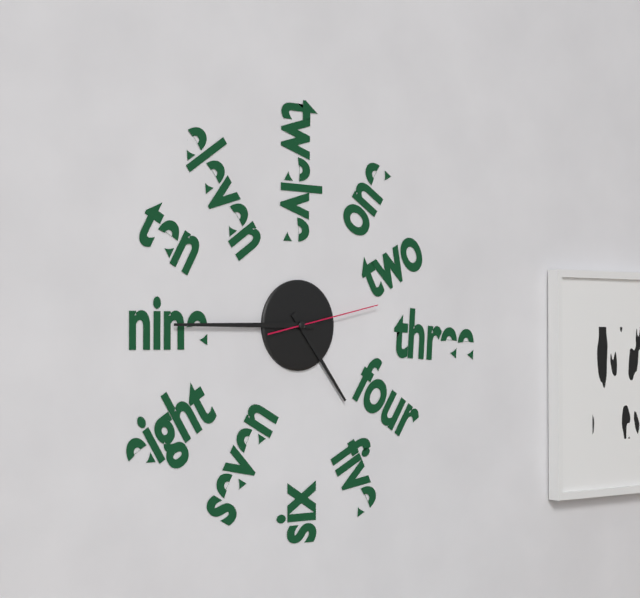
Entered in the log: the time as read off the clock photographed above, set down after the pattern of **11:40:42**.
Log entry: **4:45:13**
